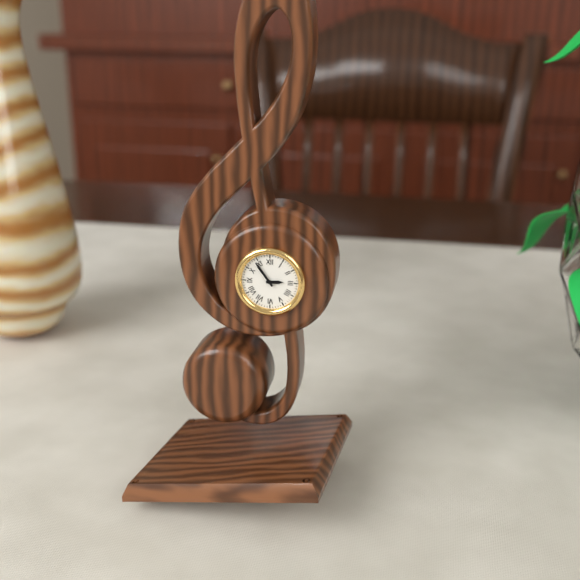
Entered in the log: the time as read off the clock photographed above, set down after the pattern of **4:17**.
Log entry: **2:54**
